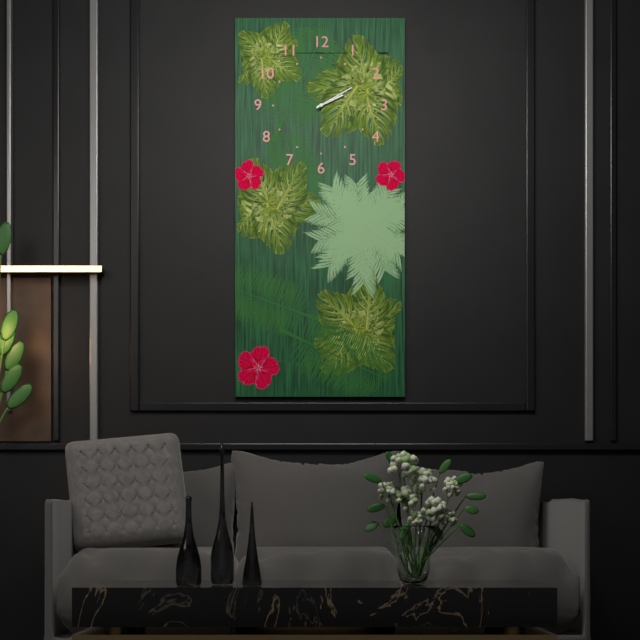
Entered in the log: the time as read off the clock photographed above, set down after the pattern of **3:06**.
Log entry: **2:10**
